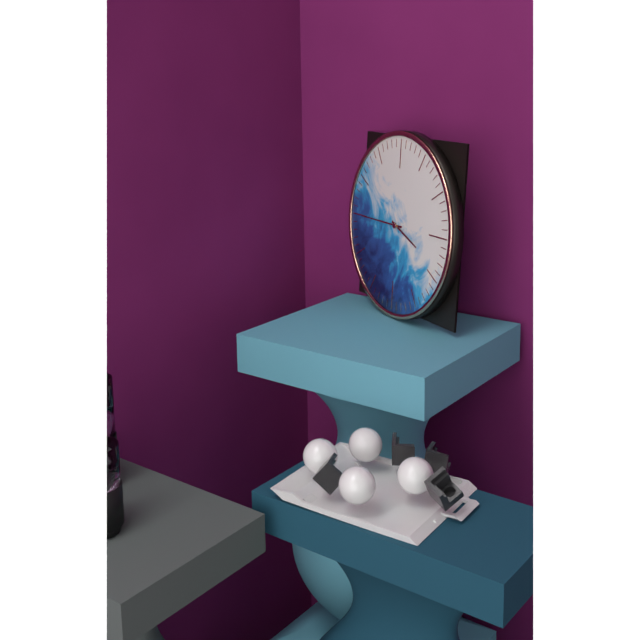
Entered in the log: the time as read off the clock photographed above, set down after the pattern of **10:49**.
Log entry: **3:45**
